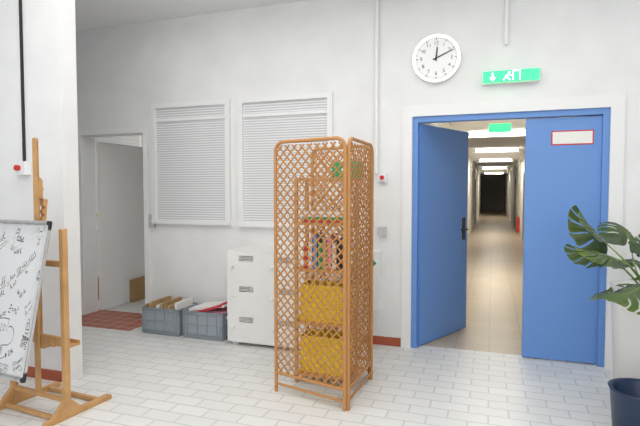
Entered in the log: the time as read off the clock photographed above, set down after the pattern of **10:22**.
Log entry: **12:11**
